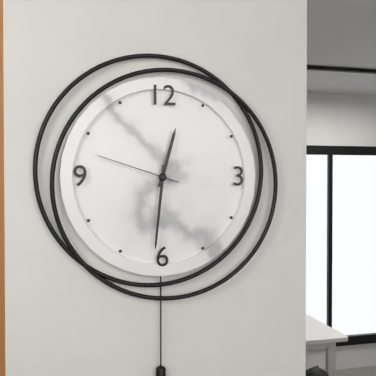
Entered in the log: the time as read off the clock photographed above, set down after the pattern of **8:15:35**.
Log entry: **12:31:48**
